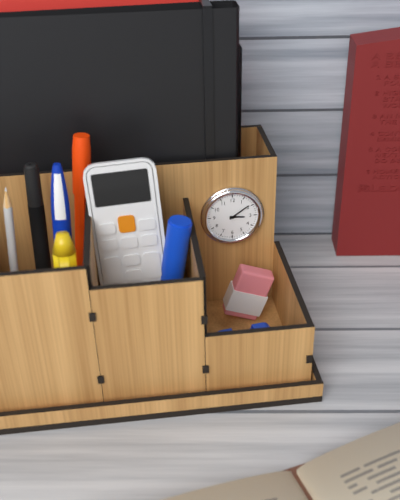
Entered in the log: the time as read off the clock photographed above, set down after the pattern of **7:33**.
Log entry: **3:09**
